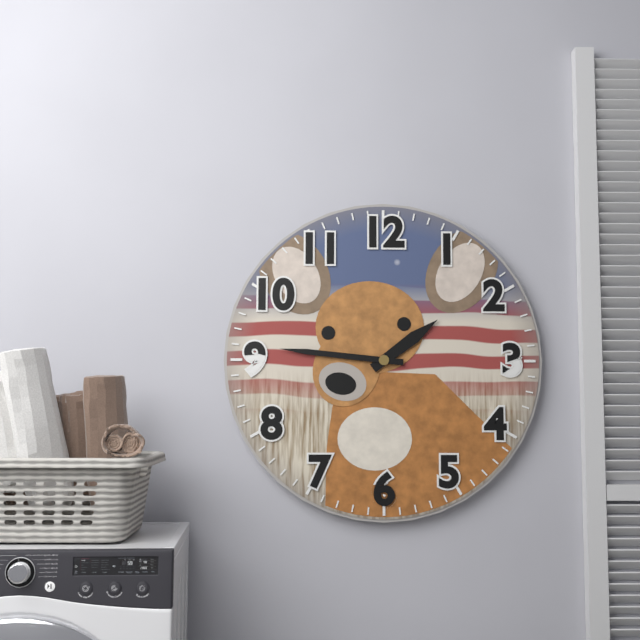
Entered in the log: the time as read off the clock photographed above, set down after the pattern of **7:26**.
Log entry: **1:46**
